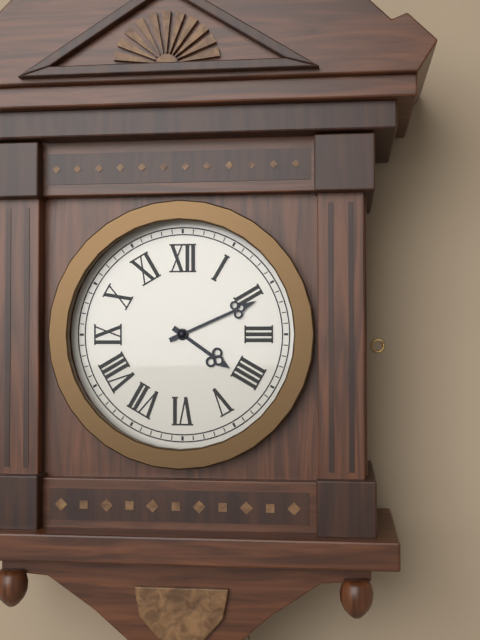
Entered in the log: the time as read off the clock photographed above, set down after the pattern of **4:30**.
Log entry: **4:11**
